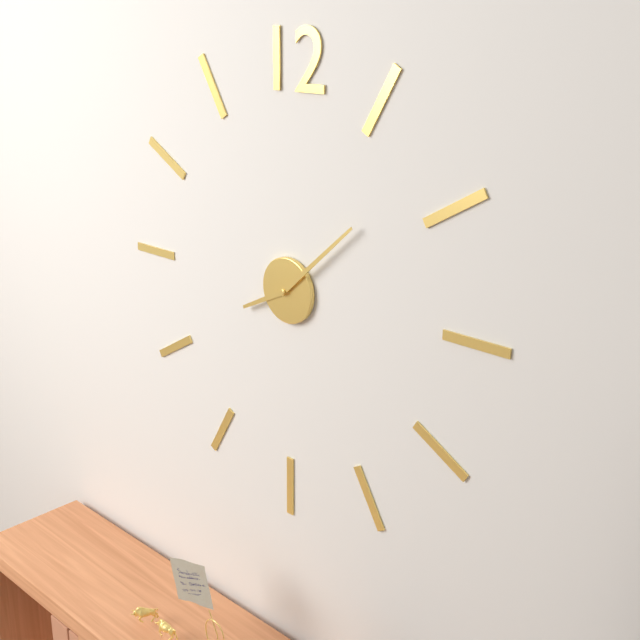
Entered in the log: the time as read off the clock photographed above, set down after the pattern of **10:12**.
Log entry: **8:08**
